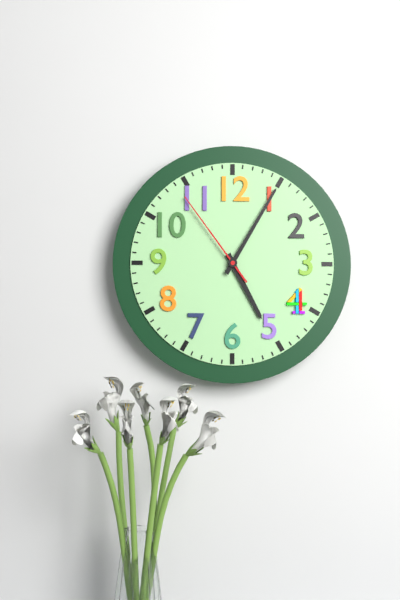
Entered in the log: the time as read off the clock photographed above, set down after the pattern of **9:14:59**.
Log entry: **5:05:54**
